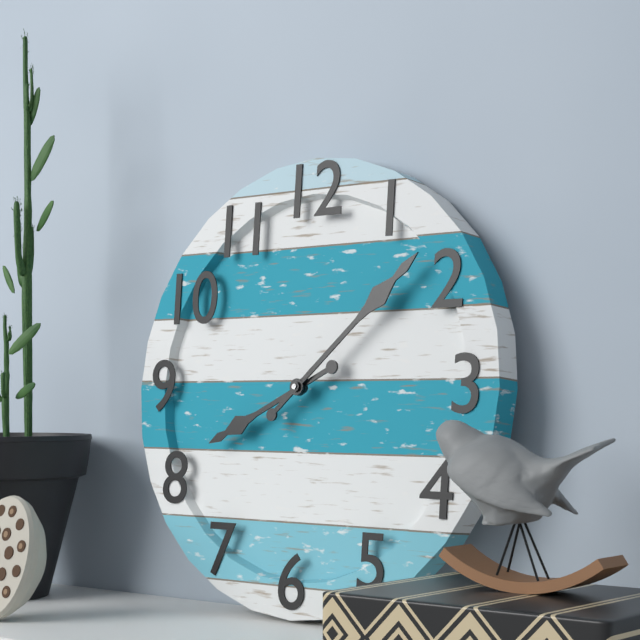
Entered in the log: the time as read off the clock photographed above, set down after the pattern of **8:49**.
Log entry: **8:08**
